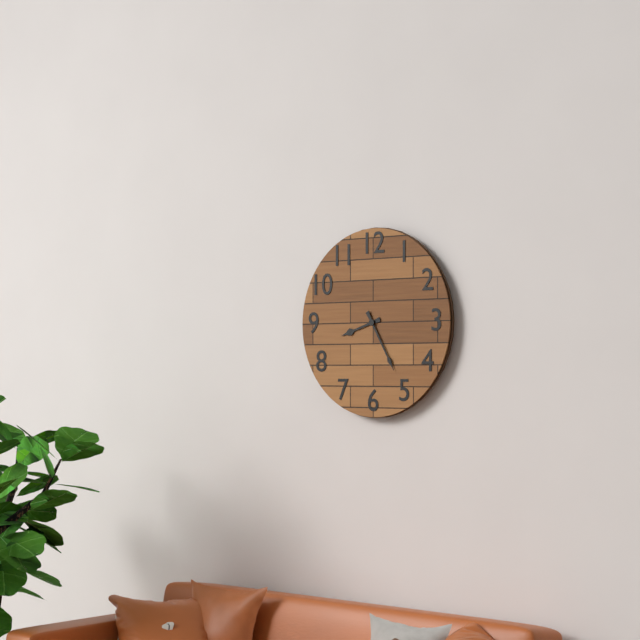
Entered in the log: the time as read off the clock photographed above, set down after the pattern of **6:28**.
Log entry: **8:25**
